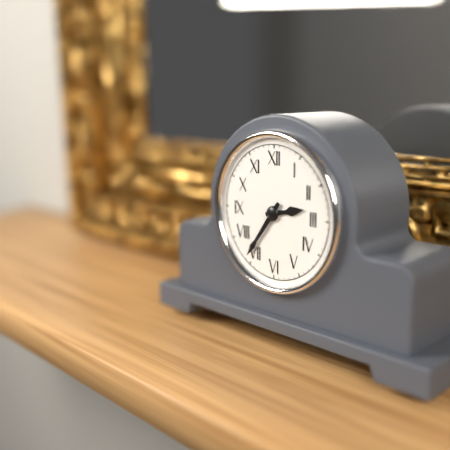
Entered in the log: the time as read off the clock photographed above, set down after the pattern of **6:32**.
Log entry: **2:36**
